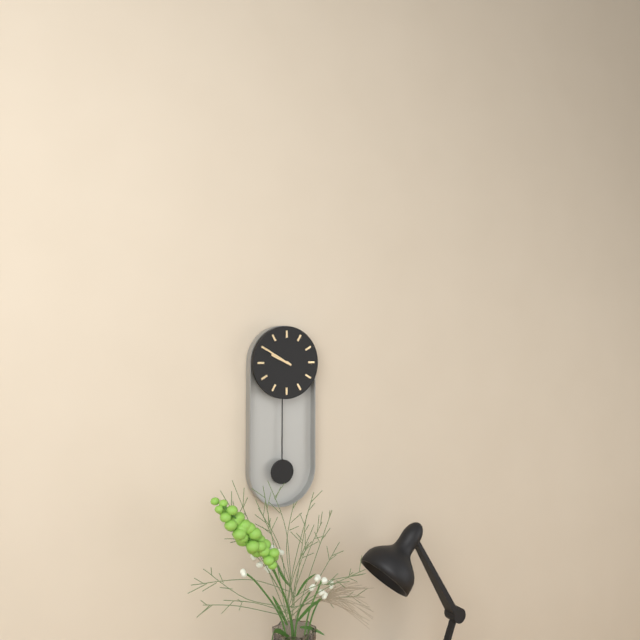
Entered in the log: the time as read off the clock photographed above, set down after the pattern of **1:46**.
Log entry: **9:50**
